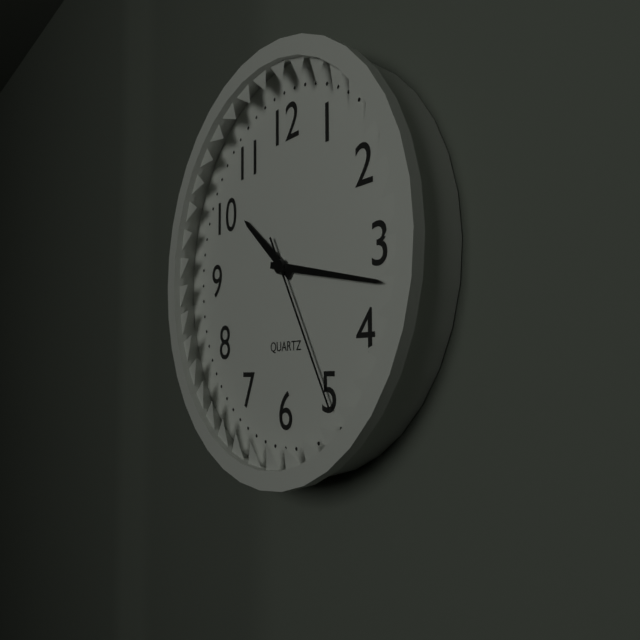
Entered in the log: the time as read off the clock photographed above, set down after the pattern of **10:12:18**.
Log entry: **10:17:25**
